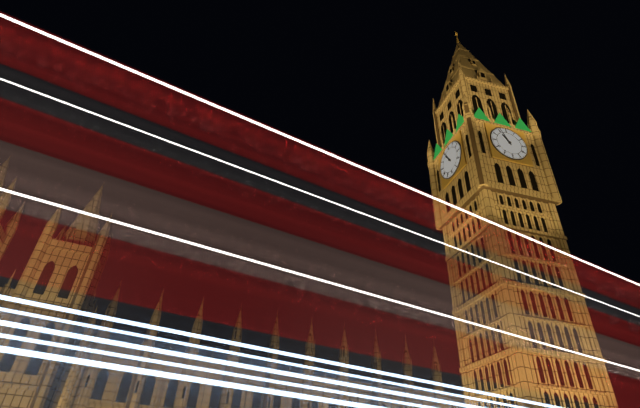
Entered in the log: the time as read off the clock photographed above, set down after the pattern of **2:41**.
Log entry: **10:56**
